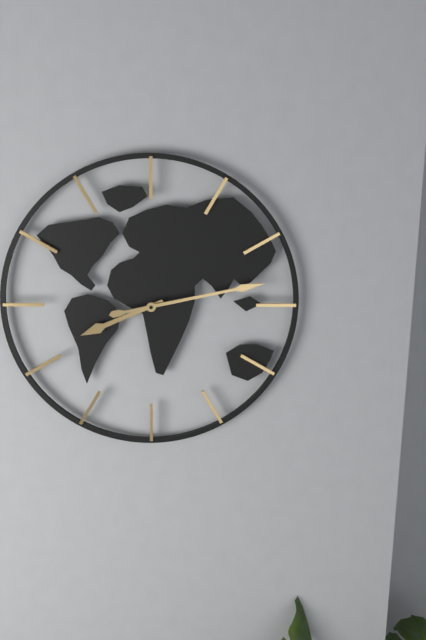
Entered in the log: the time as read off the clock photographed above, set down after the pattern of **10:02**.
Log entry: **8:13**
